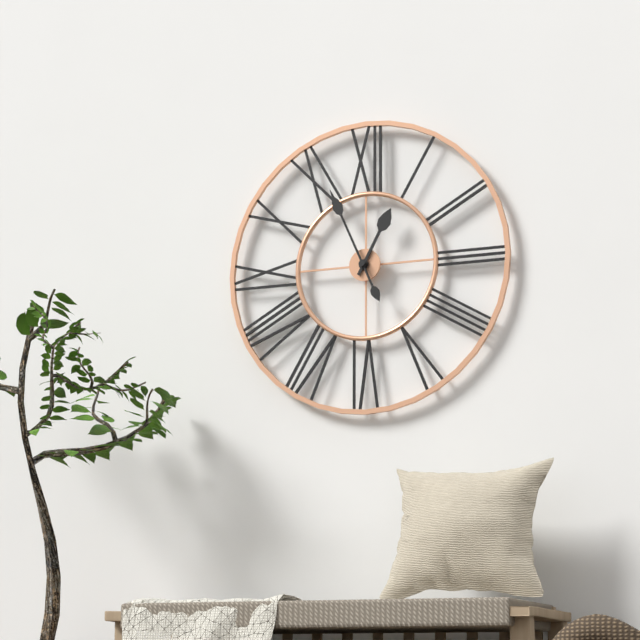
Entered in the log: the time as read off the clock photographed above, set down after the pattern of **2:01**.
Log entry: **12:56**
